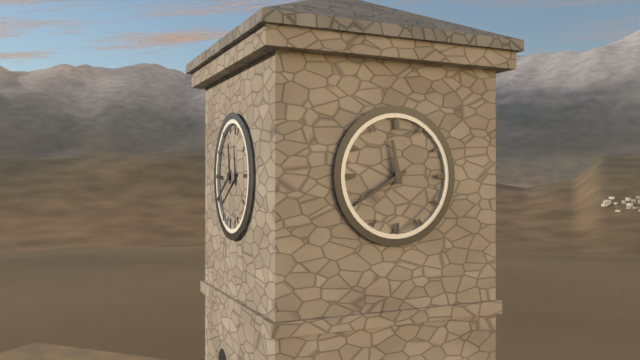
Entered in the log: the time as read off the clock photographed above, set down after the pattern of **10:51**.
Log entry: **11:40**
